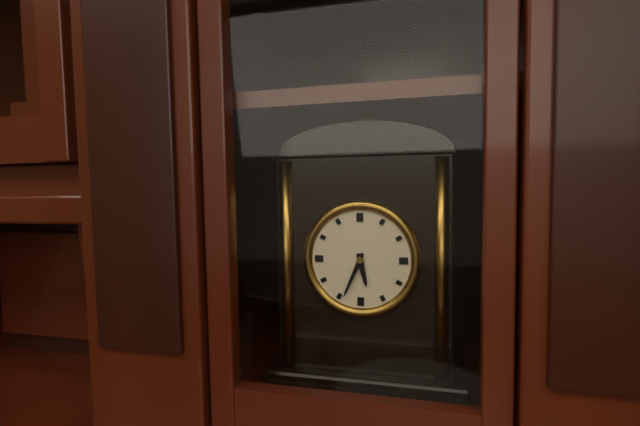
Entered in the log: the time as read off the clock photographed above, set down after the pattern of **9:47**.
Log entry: **5:34**
